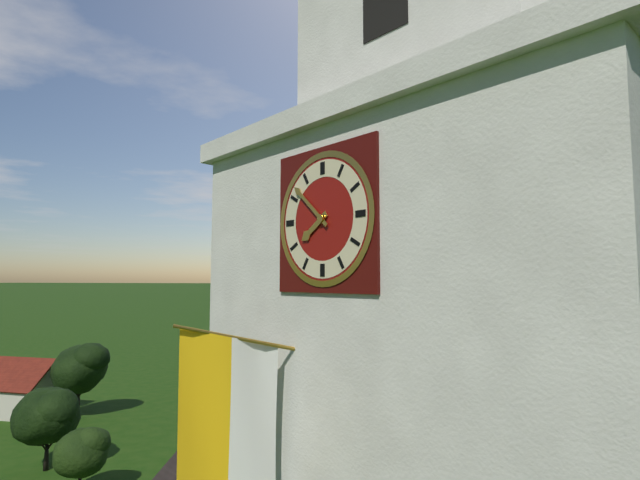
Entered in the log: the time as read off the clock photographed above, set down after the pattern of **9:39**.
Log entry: **7:52**
